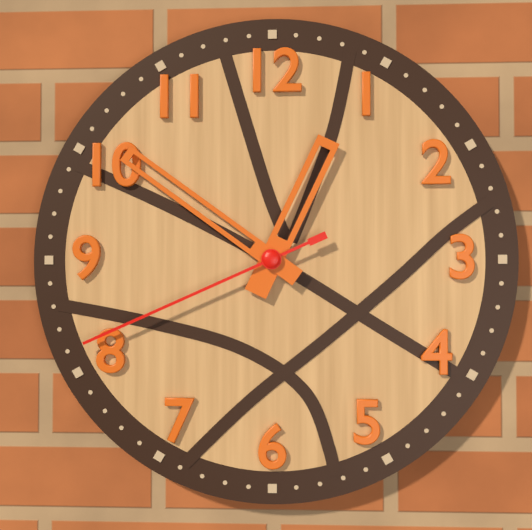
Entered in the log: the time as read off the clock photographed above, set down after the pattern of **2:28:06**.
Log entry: **12:51:41**
